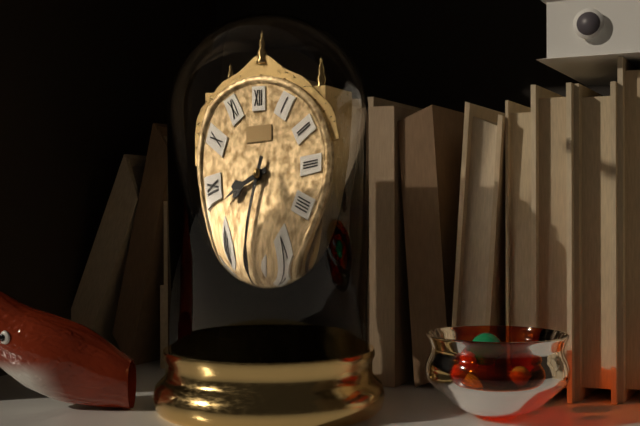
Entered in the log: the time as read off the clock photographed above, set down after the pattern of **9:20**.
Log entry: **8:34**
